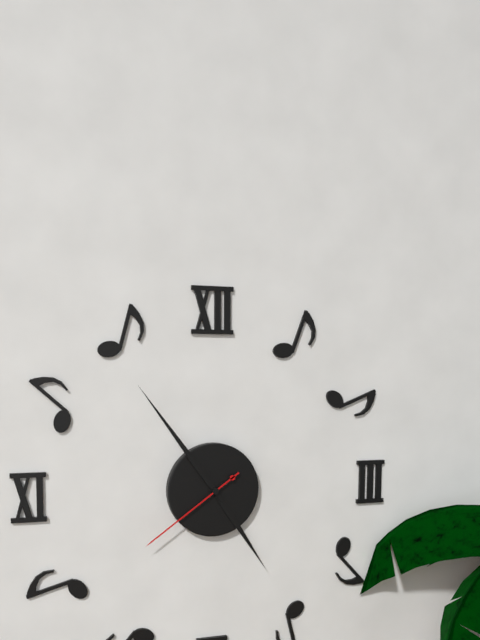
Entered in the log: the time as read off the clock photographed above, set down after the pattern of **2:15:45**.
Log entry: **4:54:39**
